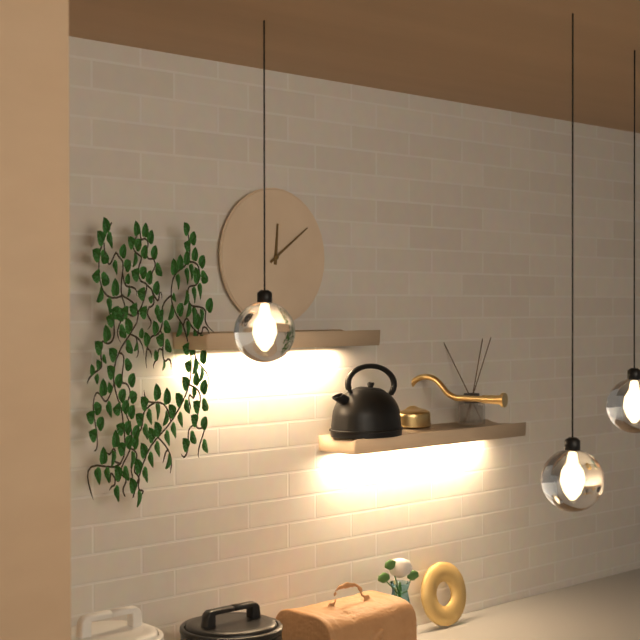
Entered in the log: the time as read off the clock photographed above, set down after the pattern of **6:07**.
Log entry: **12:09**
